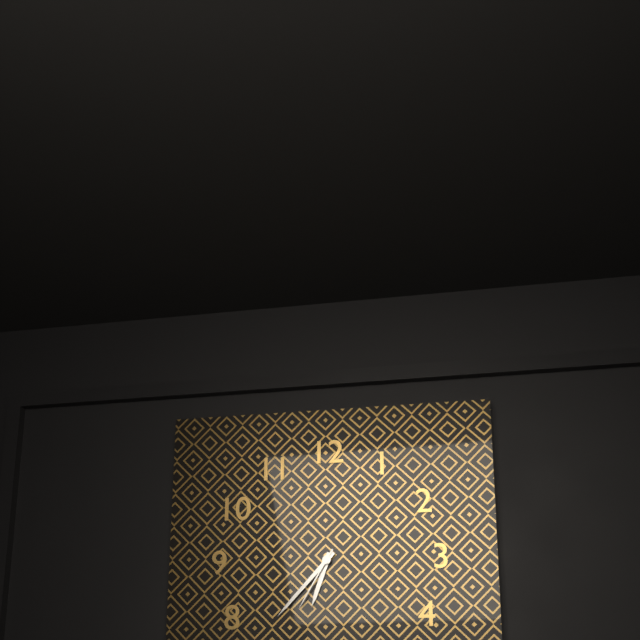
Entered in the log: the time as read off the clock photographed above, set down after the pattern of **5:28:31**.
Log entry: **6:37:35**
